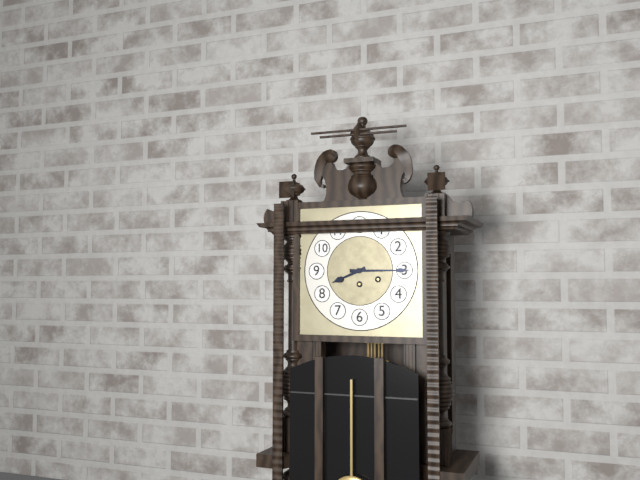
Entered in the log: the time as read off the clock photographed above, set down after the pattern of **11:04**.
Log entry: **8:15**
